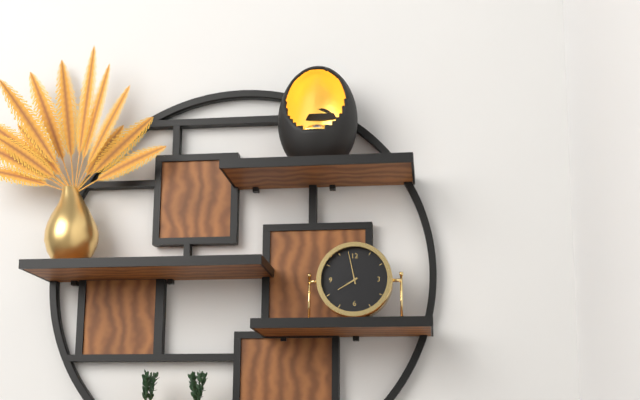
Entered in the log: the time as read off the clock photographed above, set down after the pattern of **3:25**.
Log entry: **7:58**
